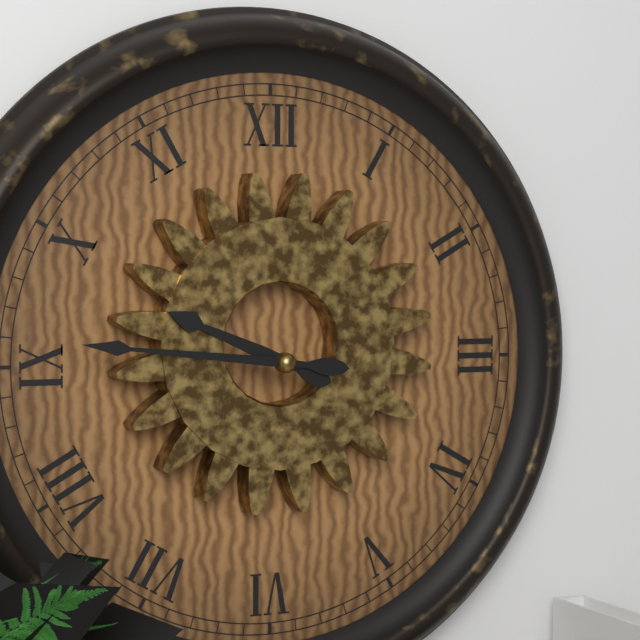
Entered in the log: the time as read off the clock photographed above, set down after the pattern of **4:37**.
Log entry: **9:46**
